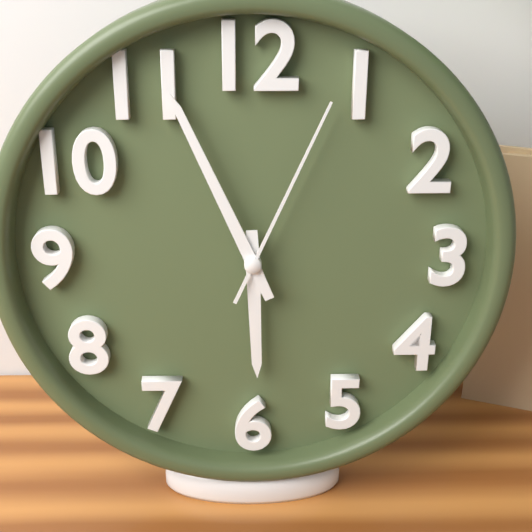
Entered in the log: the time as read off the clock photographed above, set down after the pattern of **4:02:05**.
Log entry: **5:56:04**
